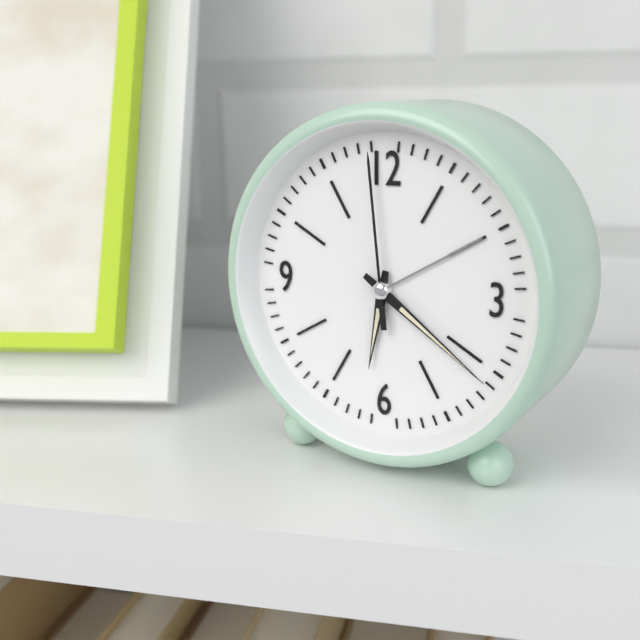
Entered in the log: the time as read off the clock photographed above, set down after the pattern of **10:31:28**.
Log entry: **6:21:59**
